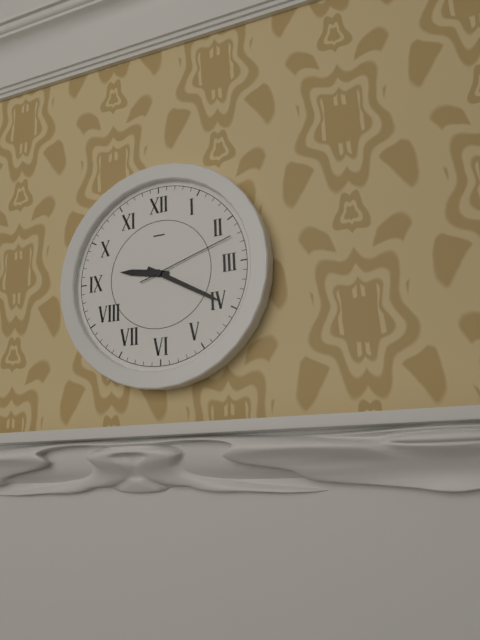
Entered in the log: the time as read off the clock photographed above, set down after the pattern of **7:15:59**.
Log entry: **9:20:12**
